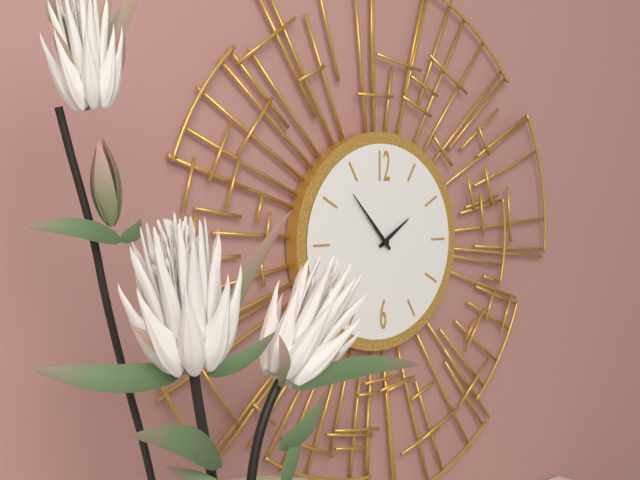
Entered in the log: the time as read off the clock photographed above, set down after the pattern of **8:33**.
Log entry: **1:53**
